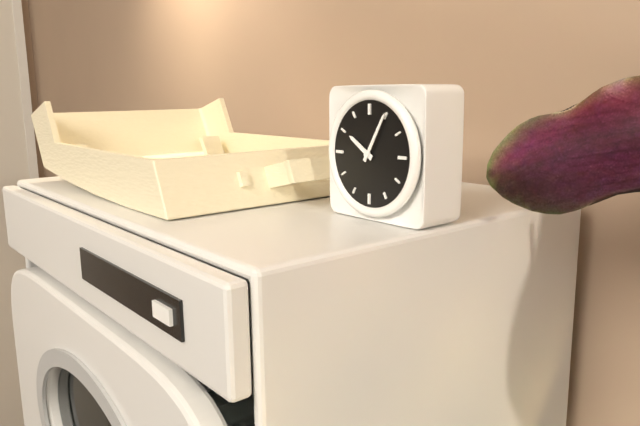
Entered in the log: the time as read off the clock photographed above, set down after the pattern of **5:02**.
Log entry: **10:05**
